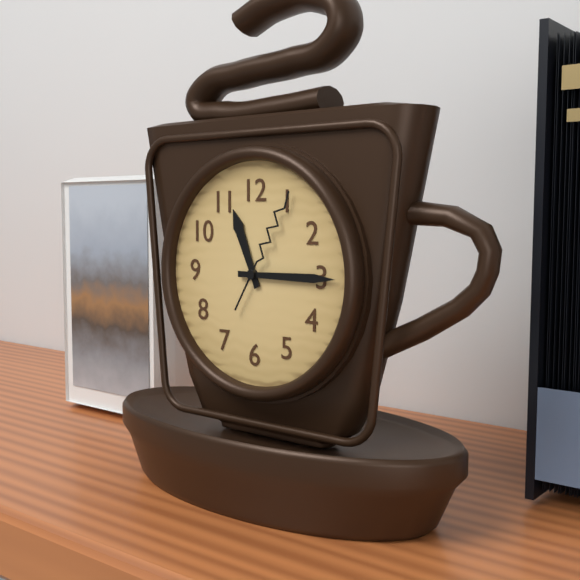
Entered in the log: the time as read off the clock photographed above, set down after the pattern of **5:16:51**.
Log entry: **11:15:05**
